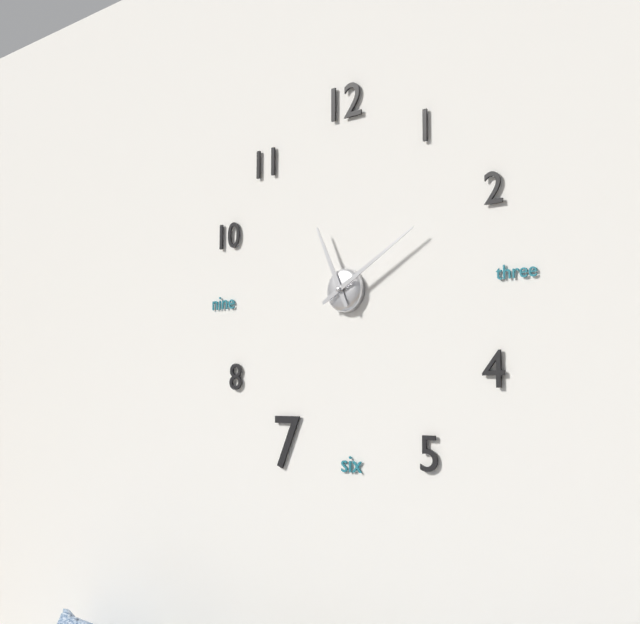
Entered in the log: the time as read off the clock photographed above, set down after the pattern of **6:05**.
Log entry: **11:10**
